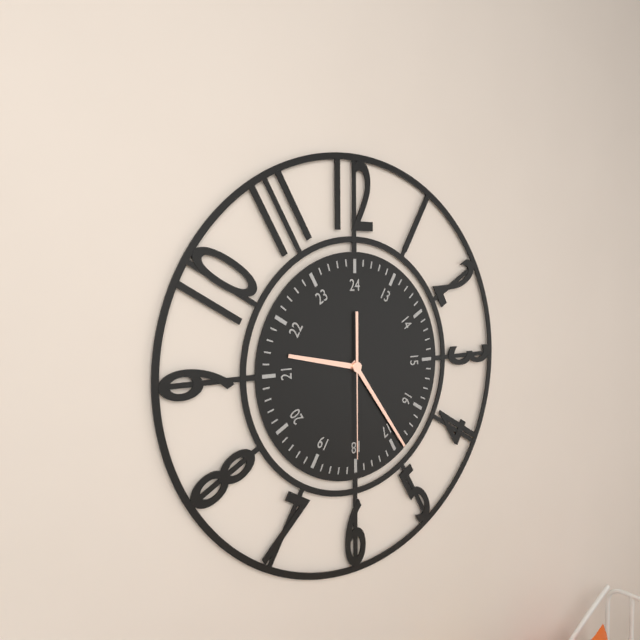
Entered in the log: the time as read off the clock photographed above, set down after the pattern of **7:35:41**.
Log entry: **9:24:30**
